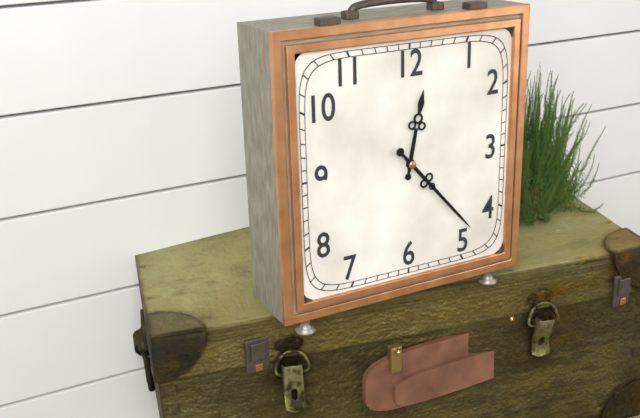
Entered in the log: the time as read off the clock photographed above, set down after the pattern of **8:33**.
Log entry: **12:23**
